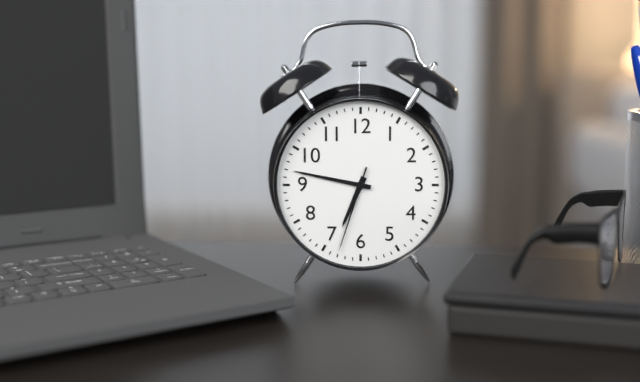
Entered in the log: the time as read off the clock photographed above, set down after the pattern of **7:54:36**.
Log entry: **6:47:33**
